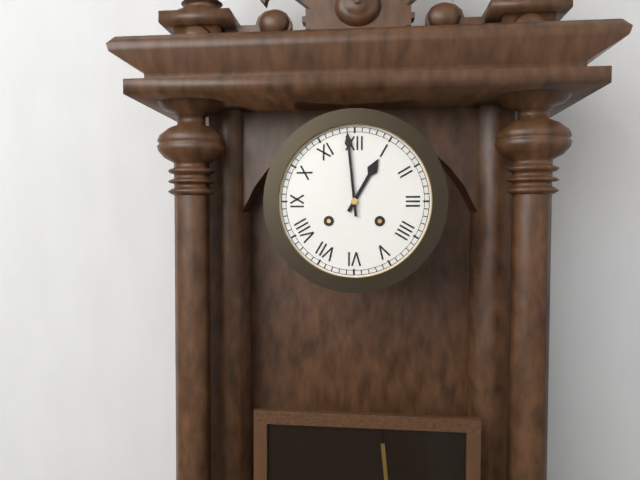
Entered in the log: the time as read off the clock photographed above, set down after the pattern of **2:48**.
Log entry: **12:59**
